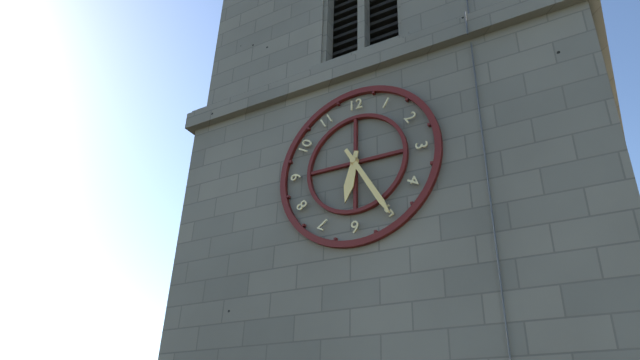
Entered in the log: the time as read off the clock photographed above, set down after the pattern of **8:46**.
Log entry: **6:25**
